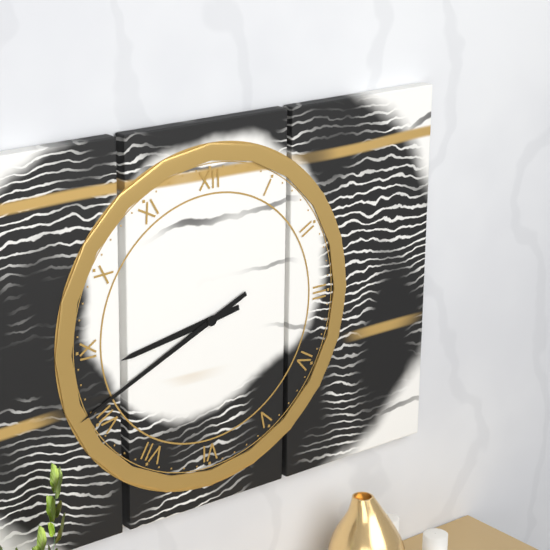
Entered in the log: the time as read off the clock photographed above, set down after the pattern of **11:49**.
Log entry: **8:41**
